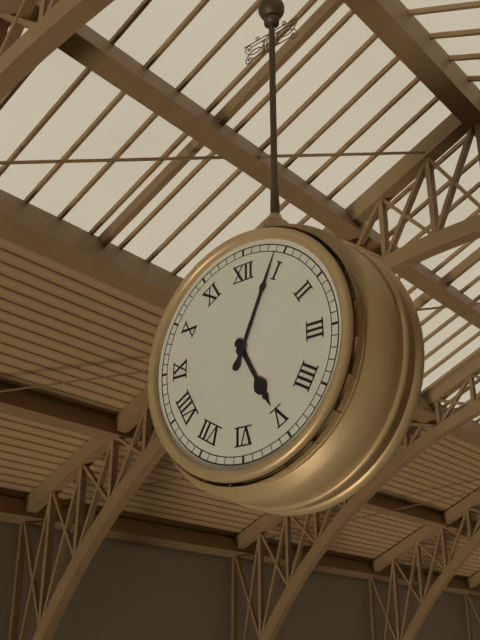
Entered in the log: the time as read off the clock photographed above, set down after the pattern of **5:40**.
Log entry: **5:04**
